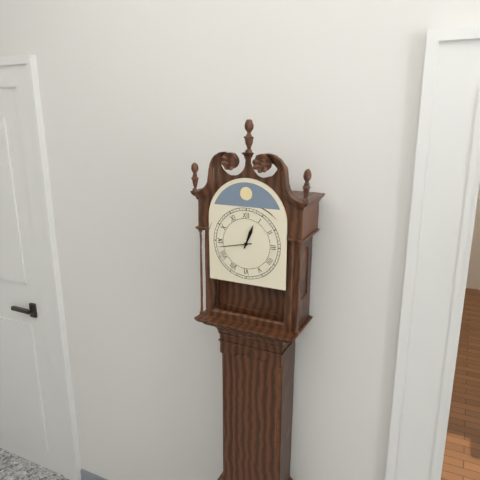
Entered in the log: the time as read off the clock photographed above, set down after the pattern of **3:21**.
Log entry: **12:43**
